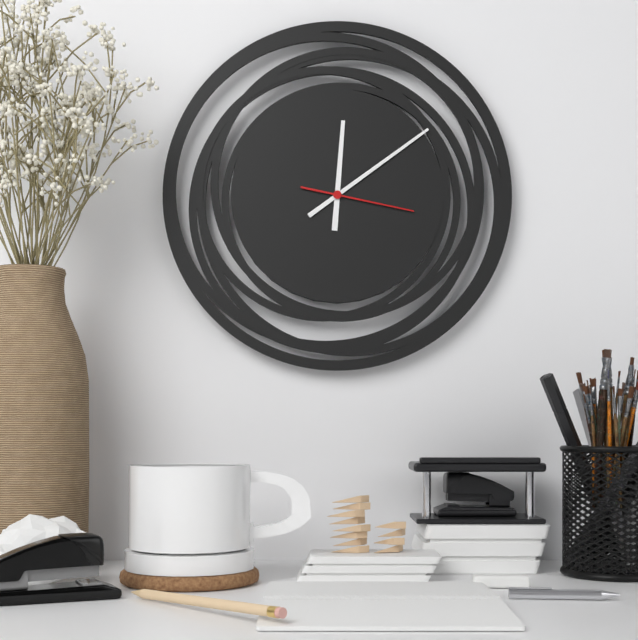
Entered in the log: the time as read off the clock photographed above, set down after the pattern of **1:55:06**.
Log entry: **12:09:17**
